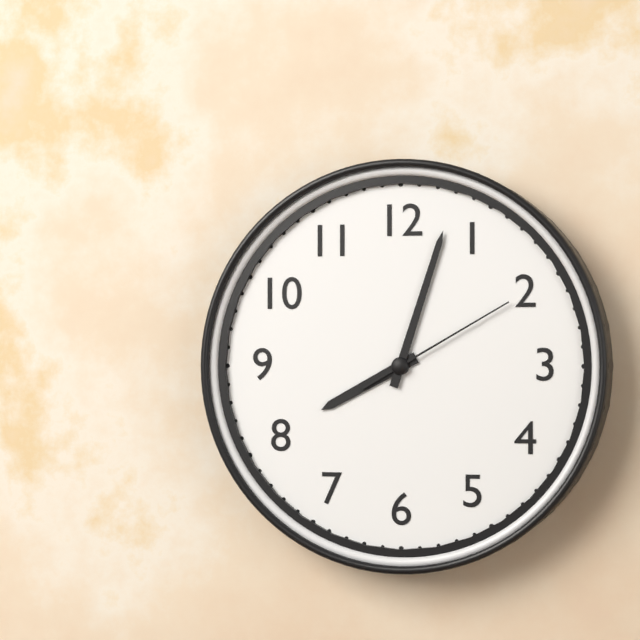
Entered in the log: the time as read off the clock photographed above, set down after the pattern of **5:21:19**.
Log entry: **8:03:10**
